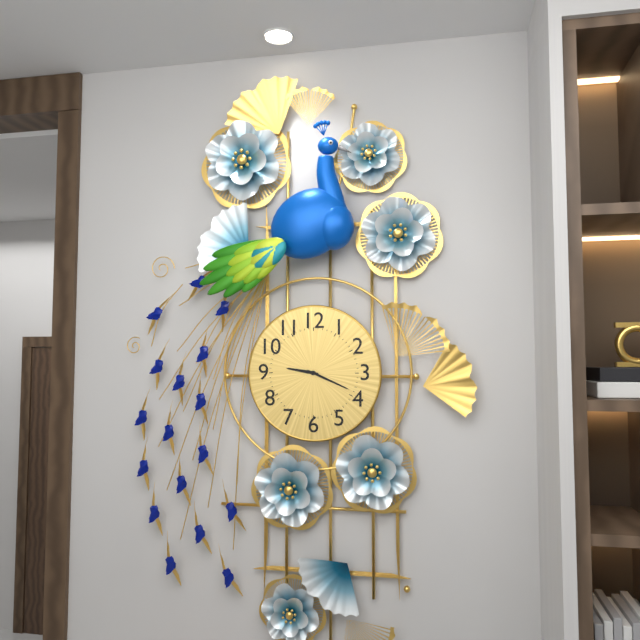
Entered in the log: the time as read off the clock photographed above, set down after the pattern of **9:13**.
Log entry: **9:19**
